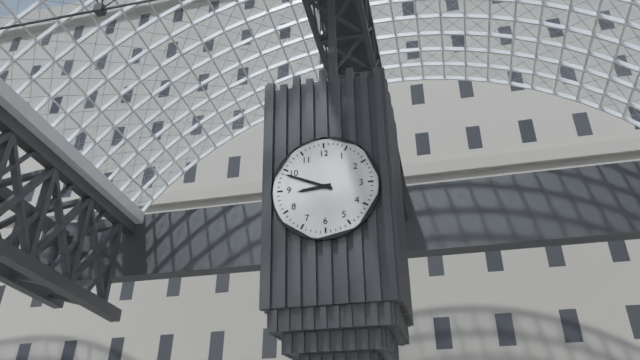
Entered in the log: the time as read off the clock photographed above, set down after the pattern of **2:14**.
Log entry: **8:49**
